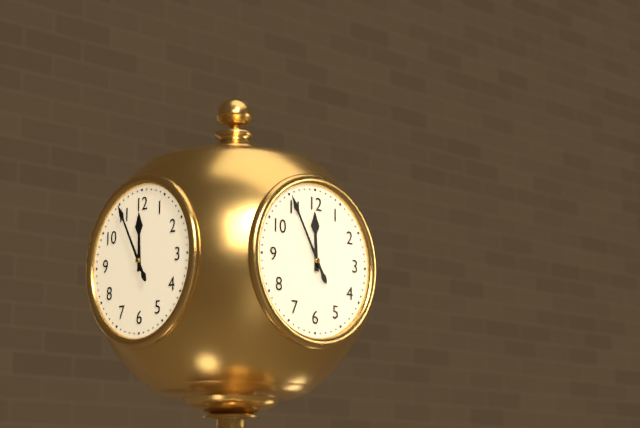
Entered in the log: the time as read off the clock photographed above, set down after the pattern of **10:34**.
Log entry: **11:55**
